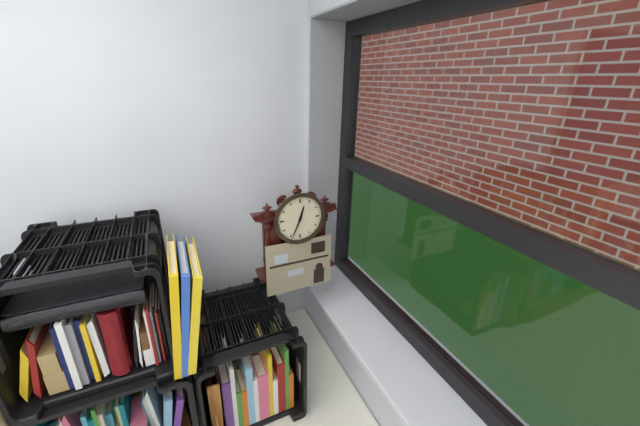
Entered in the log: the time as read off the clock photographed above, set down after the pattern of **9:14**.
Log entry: **12:34**
